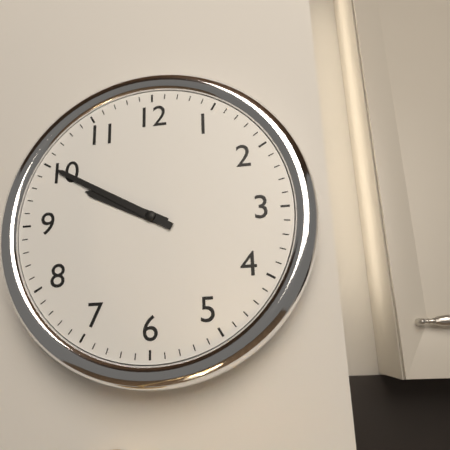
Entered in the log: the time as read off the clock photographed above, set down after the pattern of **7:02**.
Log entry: **9:50**
